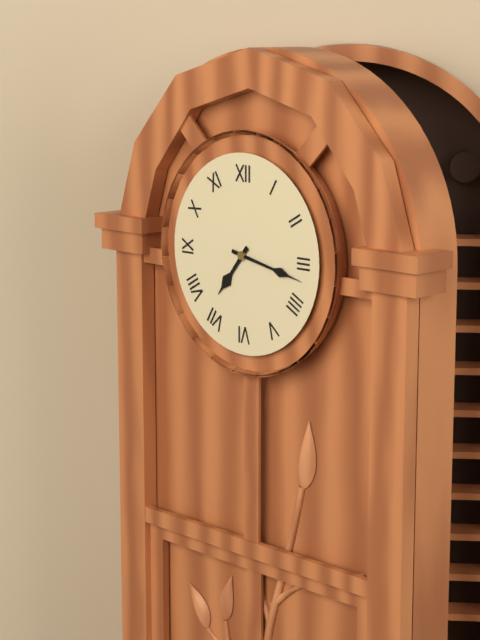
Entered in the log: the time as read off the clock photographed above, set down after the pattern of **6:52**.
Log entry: **7:17**
